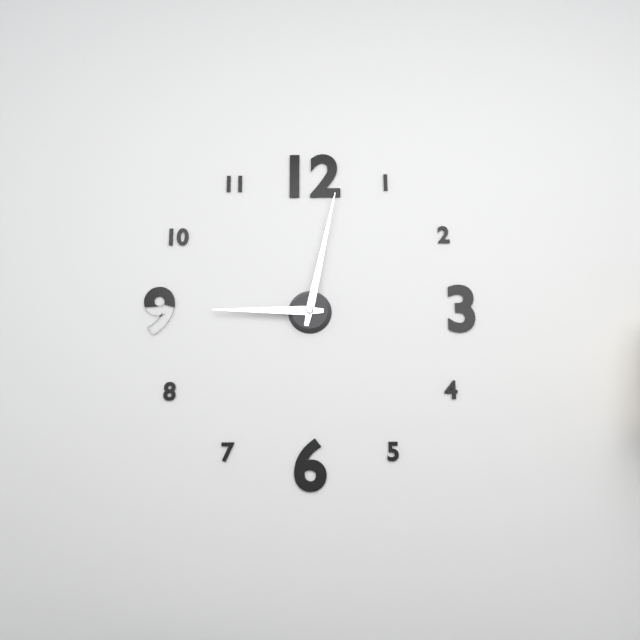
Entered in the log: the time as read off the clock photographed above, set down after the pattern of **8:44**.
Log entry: **9:02**
